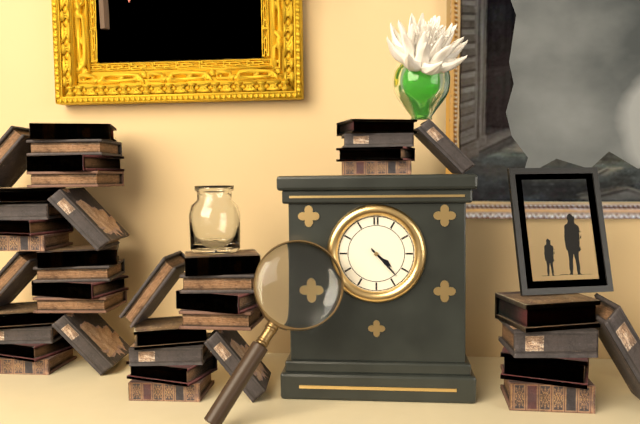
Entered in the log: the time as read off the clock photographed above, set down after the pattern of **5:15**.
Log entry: **4:23**
